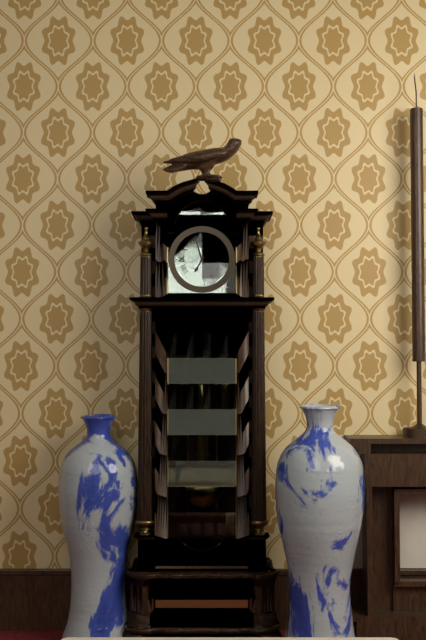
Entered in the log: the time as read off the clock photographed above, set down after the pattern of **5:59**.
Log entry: **6:57**
